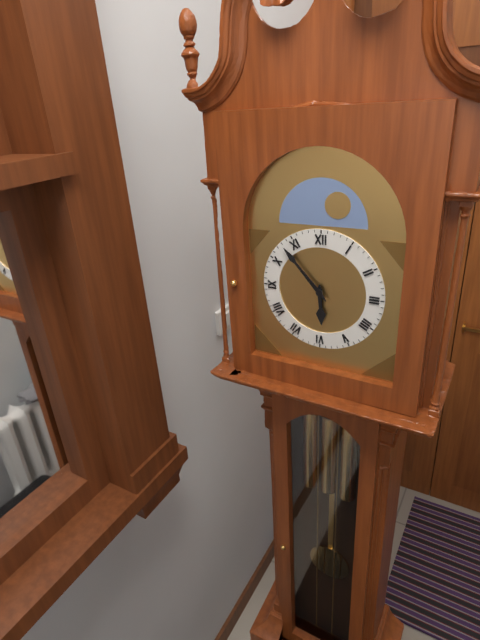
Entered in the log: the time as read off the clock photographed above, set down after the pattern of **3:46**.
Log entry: **5:53**
